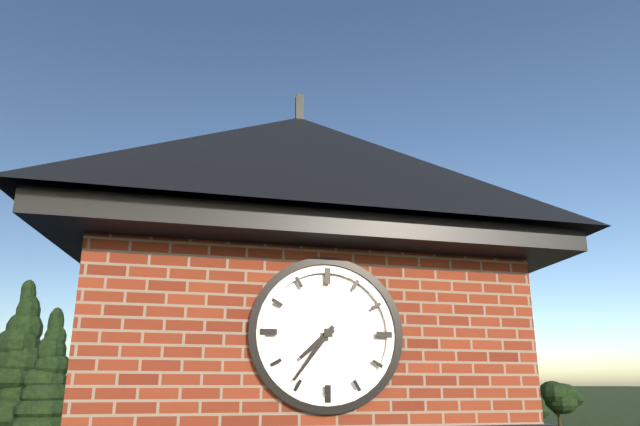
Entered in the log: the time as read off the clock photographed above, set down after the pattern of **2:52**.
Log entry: **7:36**
